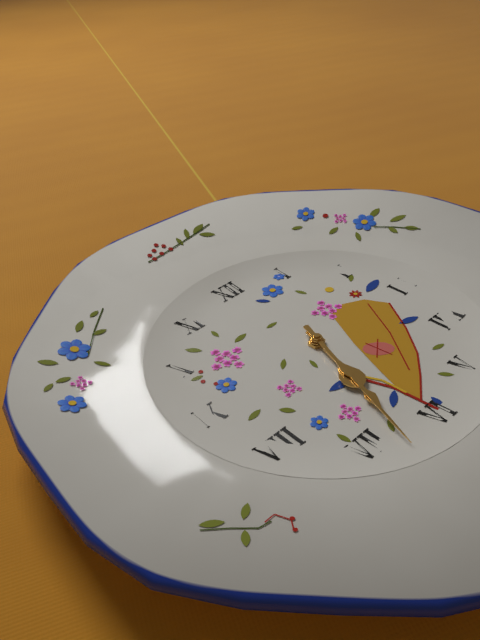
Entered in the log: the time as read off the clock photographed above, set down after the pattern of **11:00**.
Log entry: **6:33**
